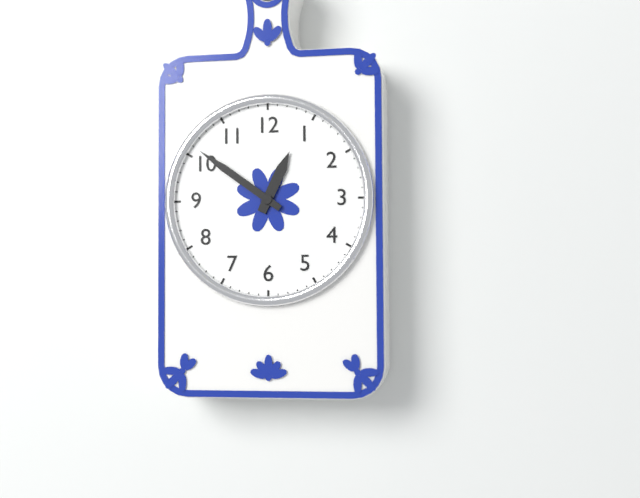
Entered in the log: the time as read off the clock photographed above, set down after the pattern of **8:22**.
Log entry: **12:51**
